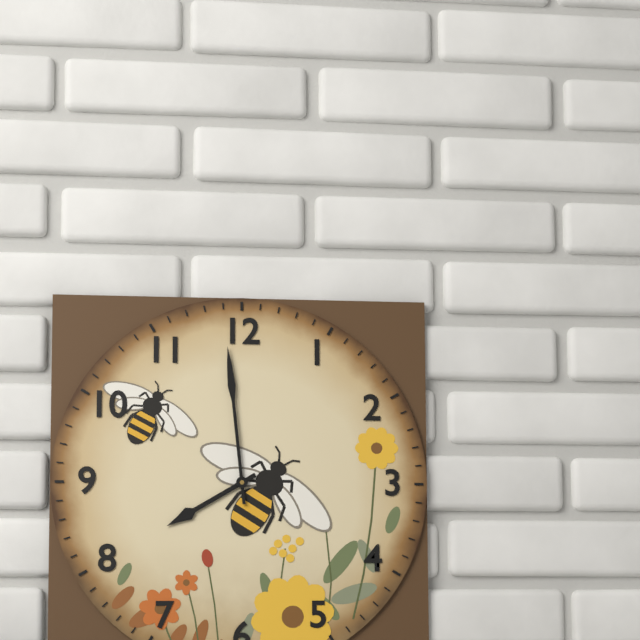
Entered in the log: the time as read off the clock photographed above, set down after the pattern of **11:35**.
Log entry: **7:59**
